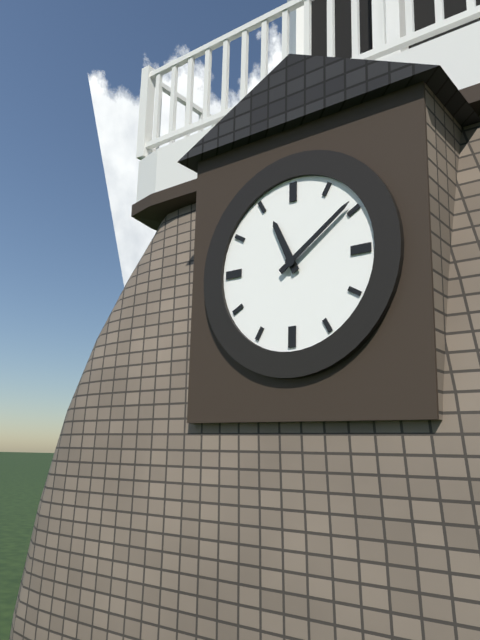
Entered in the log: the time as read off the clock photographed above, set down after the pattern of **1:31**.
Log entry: **11:09**
